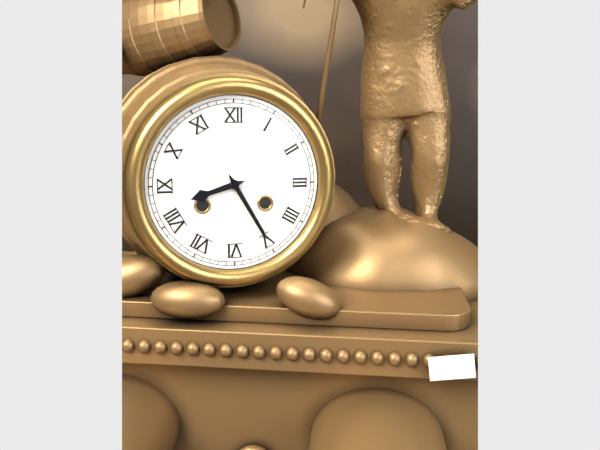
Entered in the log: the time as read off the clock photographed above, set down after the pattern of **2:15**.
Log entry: **8:25**
